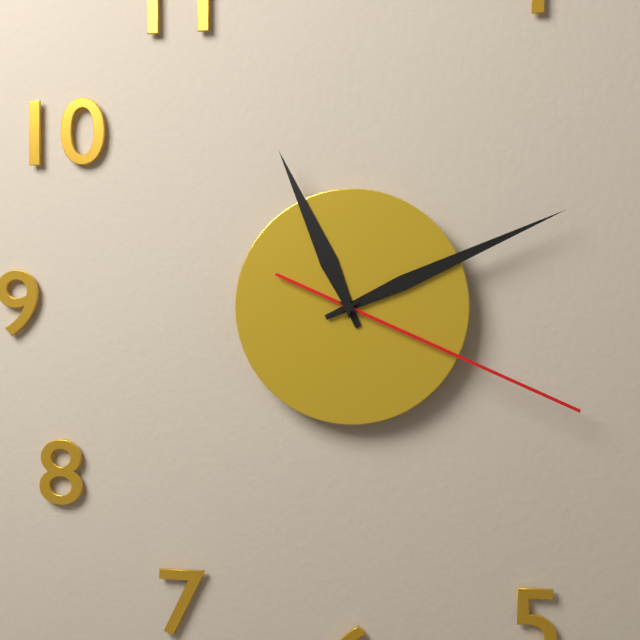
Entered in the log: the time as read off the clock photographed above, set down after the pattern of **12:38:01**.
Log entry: **11:11:19**
